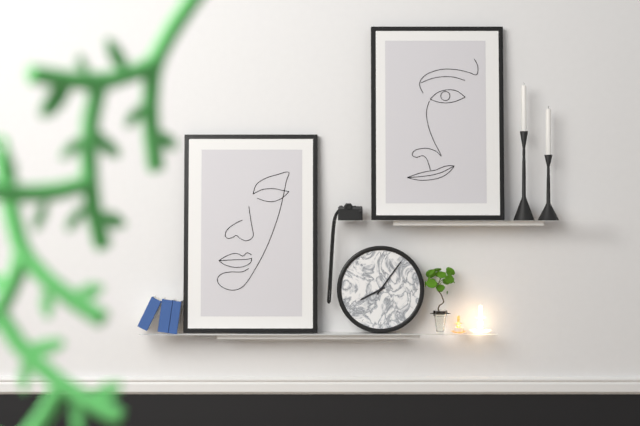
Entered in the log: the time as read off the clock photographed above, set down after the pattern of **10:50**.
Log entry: **8:06**
